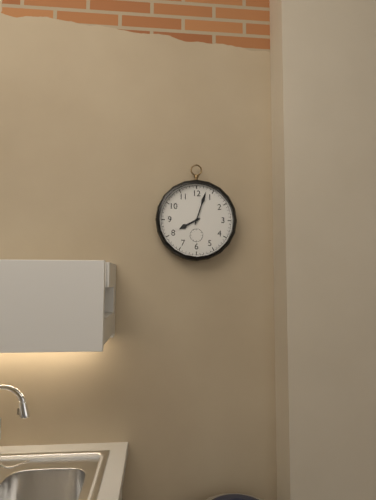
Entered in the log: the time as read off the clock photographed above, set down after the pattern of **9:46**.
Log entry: **8:03**
